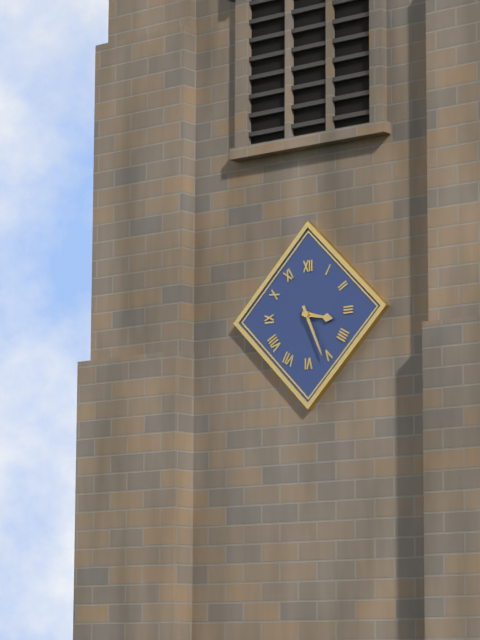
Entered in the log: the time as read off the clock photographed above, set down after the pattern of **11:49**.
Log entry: **3:26**
